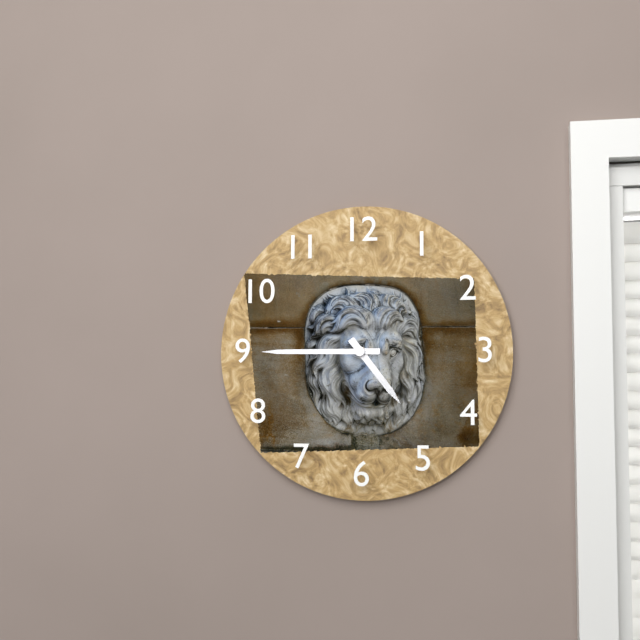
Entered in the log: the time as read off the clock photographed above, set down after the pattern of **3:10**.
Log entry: **4:45**
